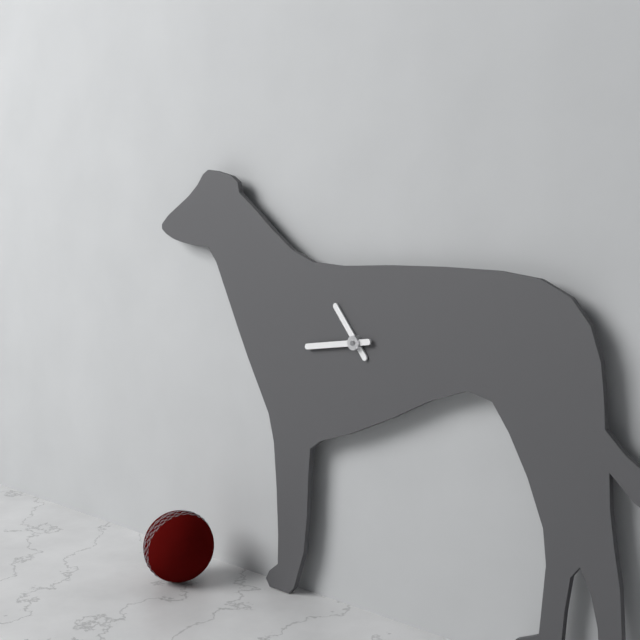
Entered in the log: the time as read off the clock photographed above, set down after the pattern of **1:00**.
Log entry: **10:44**
